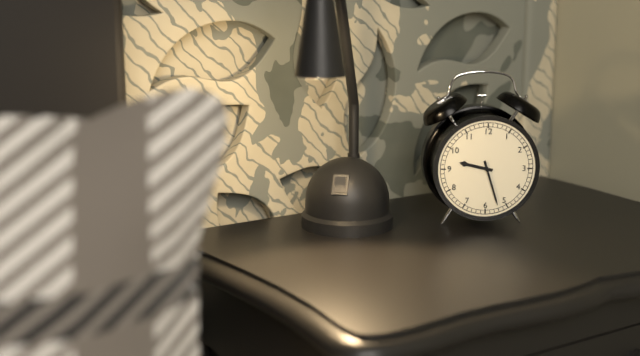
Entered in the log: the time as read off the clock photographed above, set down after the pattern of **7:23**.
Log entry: **9:27**
